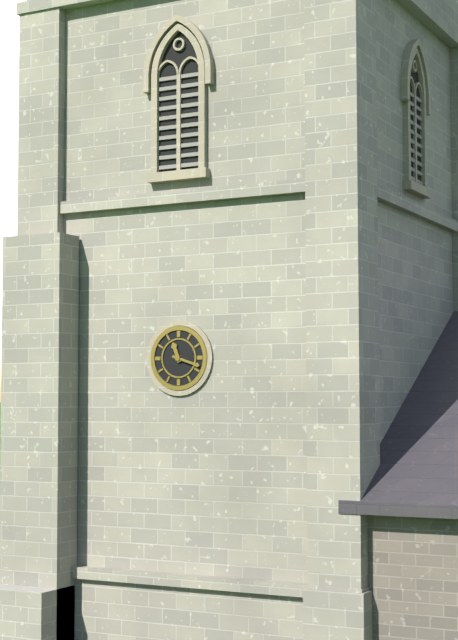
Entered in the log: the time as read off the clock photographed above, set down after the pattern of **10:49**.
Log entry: **11:18**
